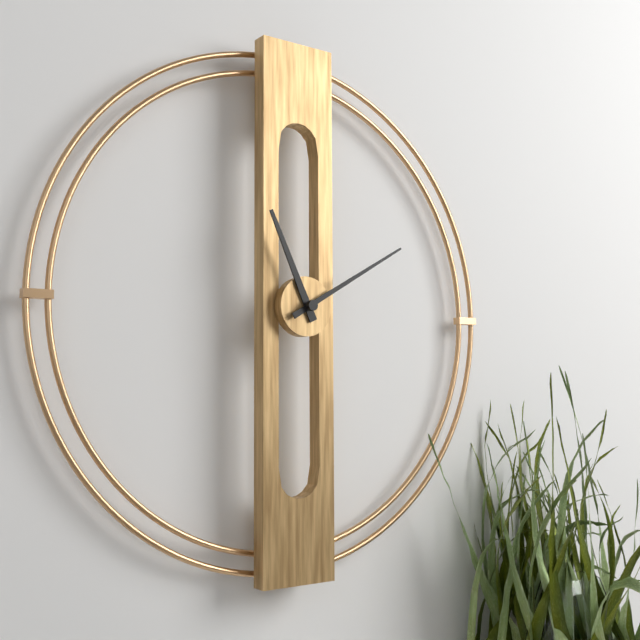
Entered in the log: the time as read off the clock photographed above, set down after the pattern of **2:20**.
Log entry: **11:10**
